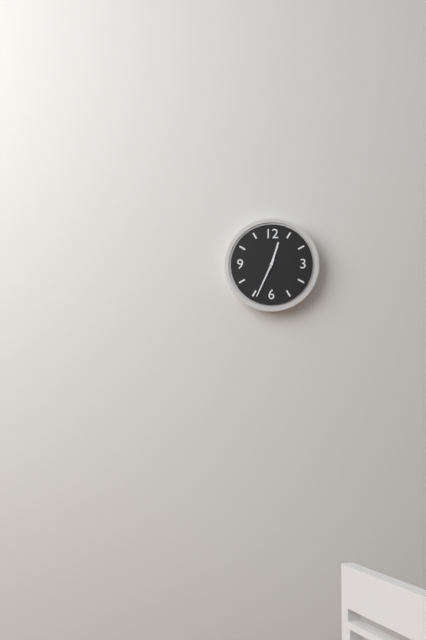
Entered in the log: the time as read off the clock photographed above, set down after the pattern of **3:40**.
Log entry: **12:34**
